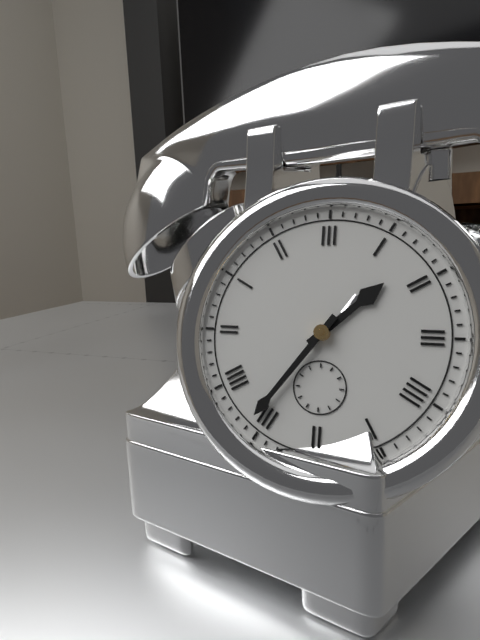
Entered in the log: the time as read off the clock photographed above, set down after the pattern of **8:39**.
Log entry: **1:36**
